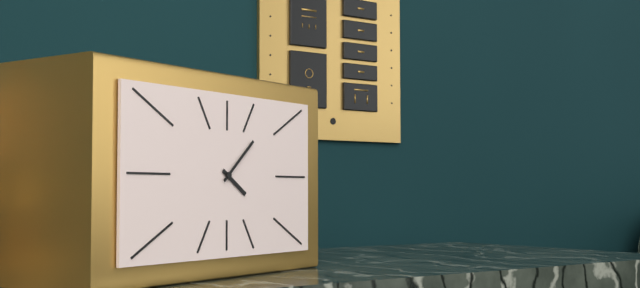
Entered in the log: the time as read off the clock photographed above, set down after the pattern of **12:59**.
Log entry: **4:08**
